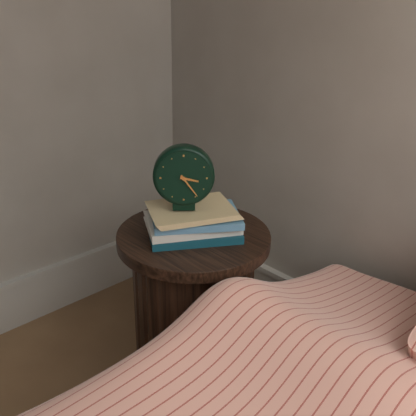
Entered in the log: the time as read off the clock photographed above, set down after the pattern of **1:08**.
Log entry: **3:24**
